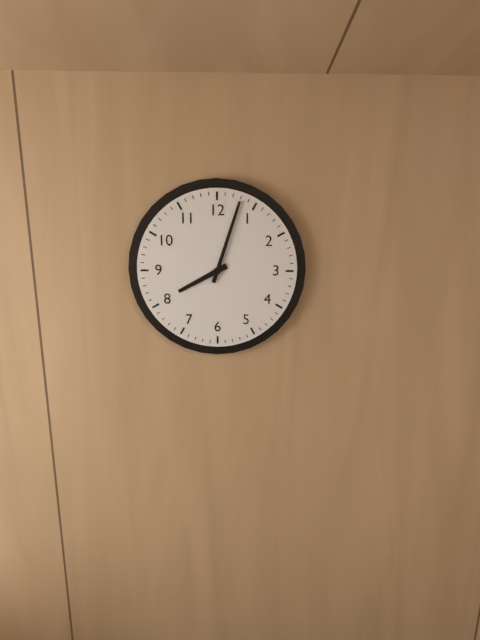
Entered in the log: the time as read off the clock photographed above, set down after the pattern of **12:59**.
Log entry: **8:03**
